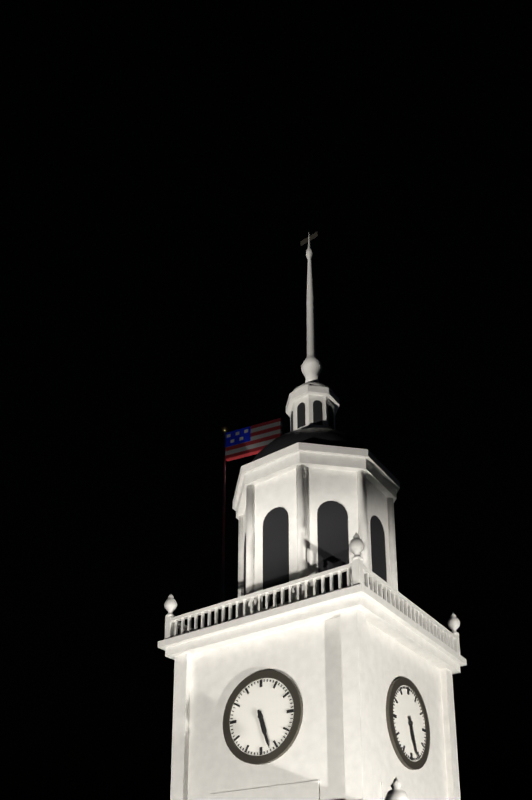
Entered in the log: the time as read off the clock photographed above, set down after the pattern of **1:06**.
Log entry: **5:27**
